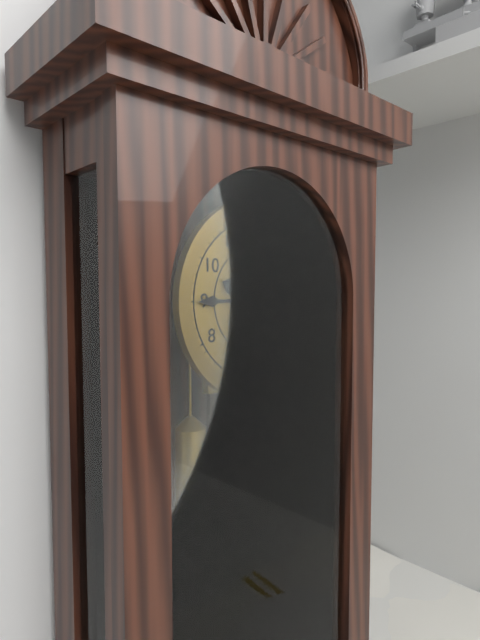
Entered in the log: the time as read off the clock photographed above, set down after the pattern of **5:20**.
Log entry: **9:45**
